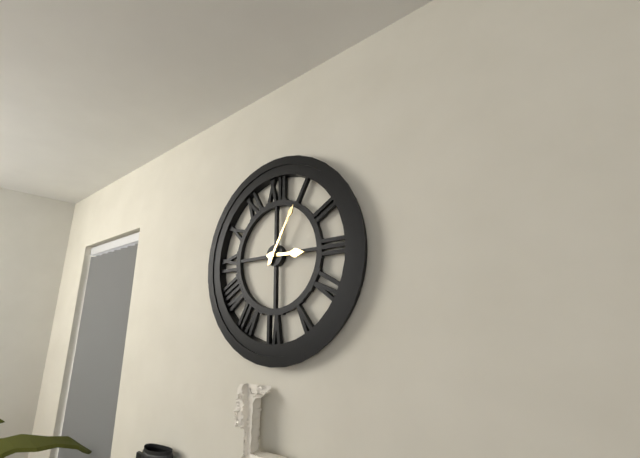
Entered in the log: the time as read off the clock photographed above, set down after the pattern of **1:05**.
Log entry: **3:05**
